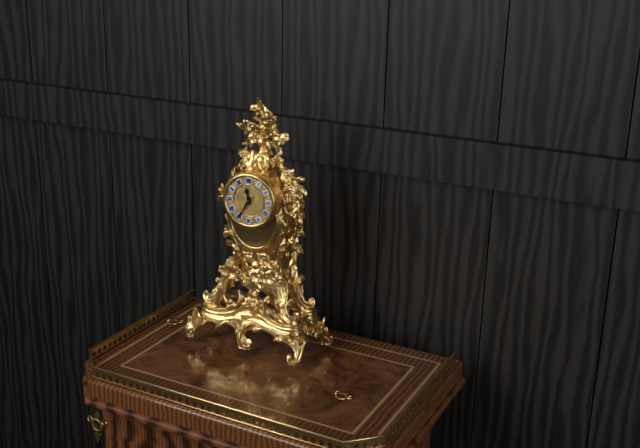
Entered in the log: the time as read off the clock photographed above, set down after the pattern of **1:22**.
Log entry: **11:35**
